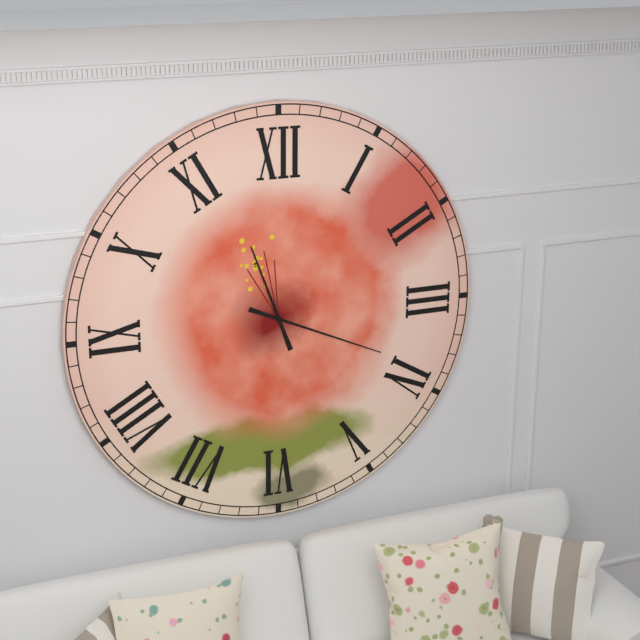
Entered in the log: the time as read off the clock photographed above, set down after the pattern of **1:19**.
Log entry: **11:19**
